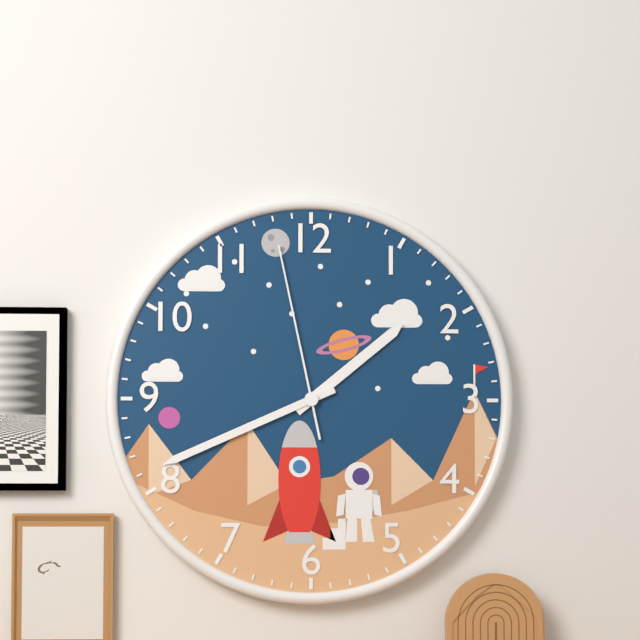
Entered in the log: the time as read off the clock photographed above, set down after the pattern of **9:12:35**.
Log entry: **1:41:58**
